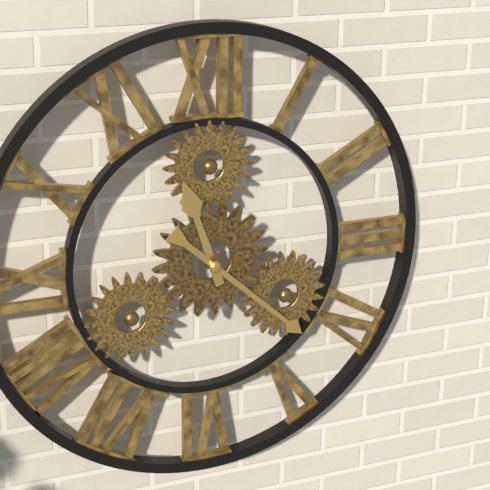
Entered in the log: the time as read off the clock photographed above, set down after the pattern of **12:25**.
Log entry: **11:22**
